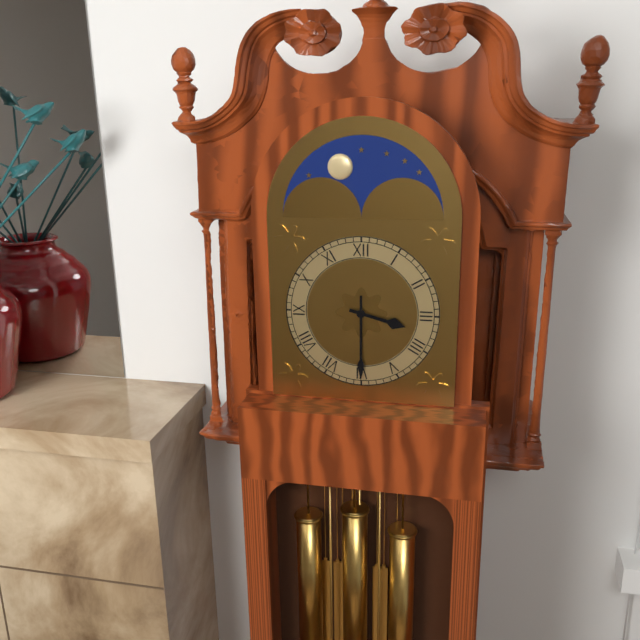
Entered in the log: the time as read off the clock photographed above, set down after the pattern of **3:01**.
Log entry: **3:30**
